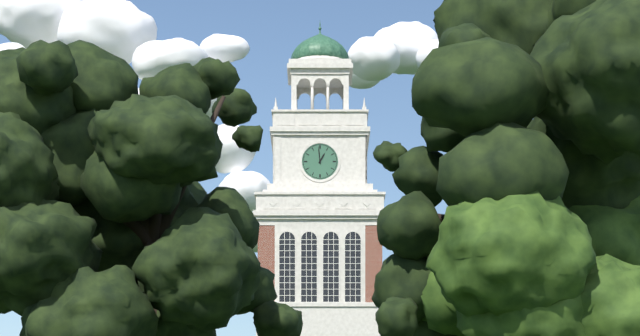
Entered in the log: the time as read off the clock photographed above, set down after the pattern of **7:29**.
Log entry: **12:59**
